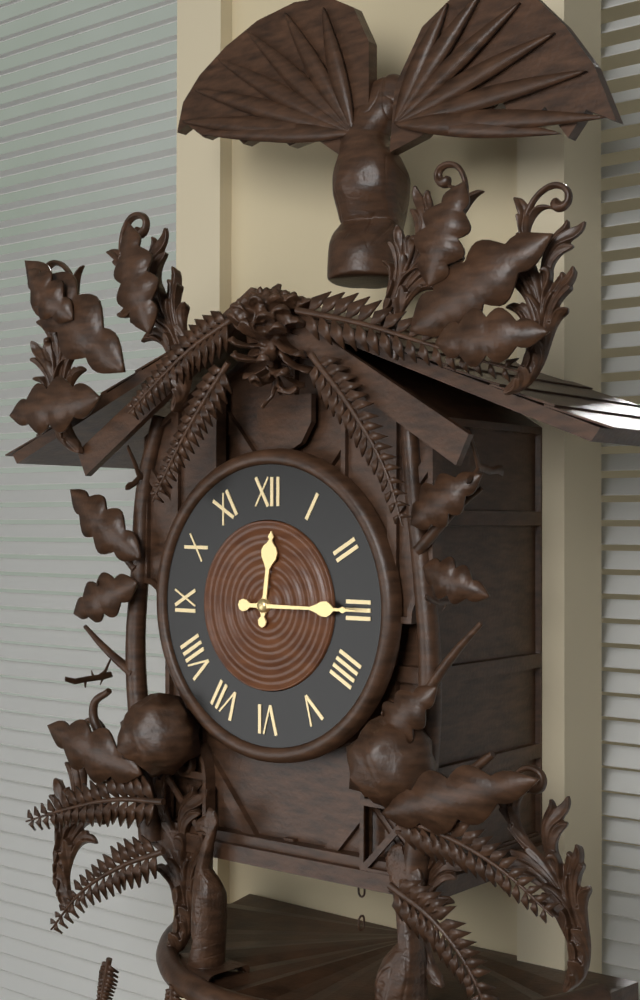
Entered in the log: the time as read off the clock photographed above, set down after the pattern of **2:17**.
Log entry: **12:15**
